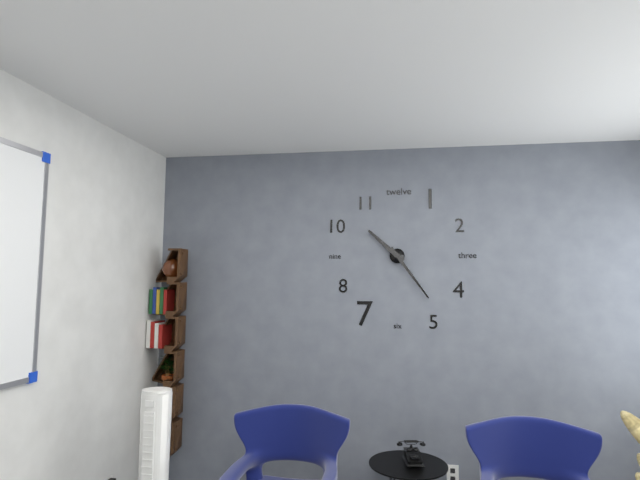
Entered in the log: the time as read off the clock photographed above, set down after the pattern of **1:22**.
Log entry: **10:24**
